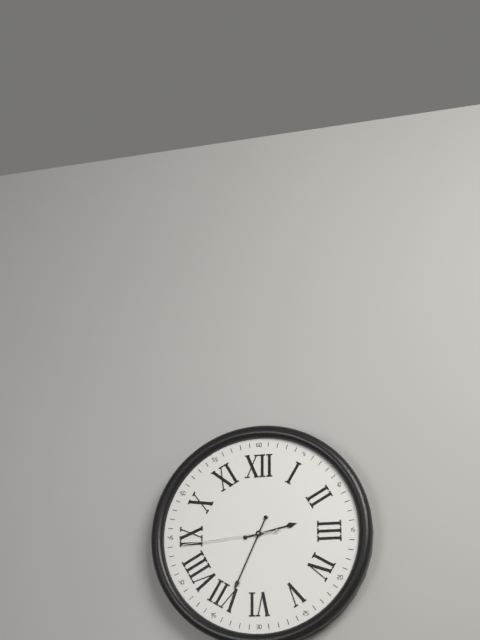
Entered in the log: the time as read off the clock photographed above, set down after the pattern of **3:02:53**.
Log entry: **2:34:44**
